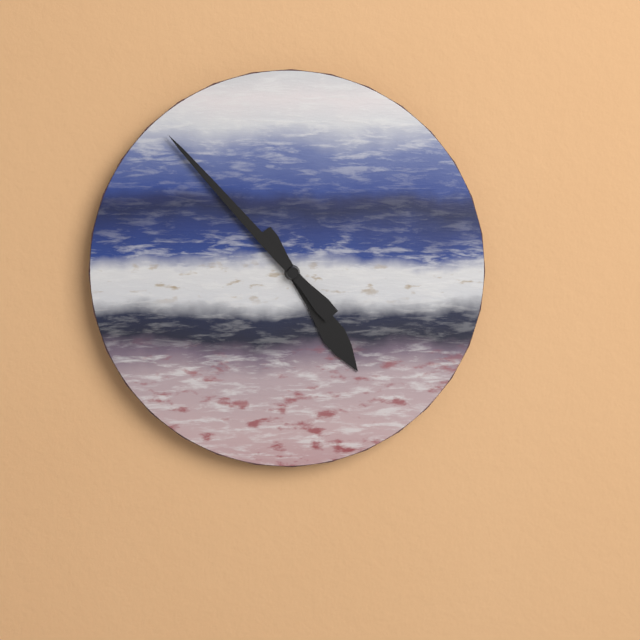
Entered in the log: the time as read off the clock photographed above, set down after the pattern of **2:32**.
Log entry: **4:53**
